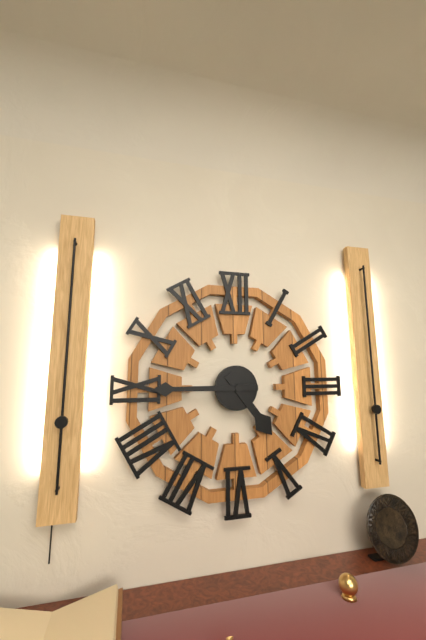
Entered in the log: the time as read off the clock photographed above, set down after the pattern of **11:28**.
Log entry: **4:45**
